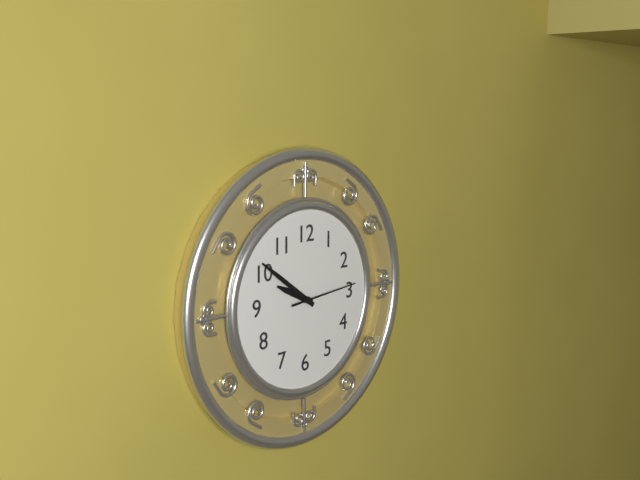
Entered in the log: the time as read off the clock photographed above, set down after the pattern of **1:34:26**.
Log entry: **9:51:14**
